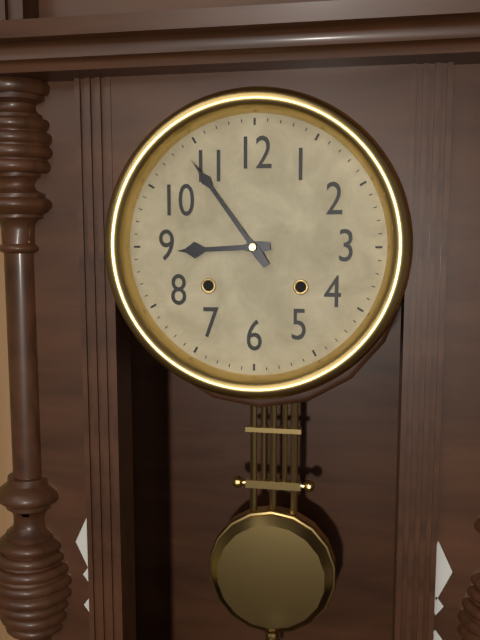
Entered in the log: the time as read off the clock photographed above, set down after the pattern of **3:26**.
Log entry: **8:54**
